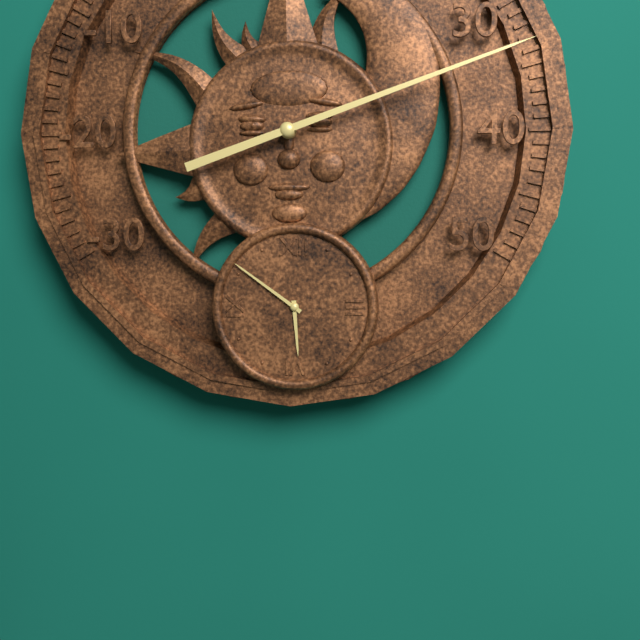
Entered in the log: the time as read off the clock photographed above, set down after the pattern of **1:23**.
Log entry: **5:51**
